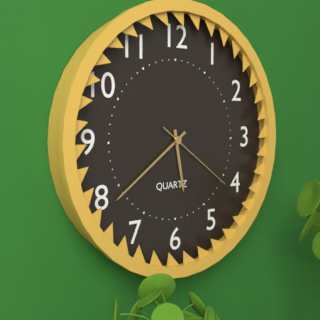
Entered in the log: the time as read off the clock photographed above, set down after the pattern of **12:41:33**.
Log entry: **5:39:21**
